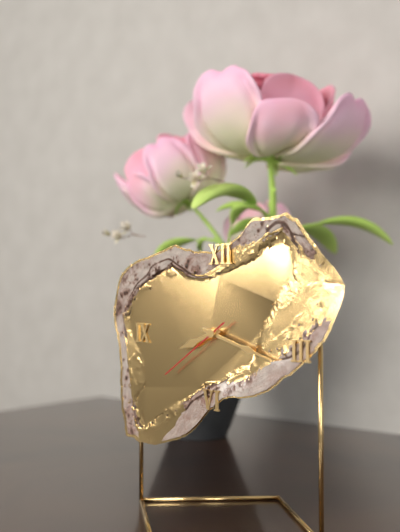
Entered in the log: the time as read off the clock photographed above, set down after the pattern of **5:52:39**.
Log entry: **8:18:39**
